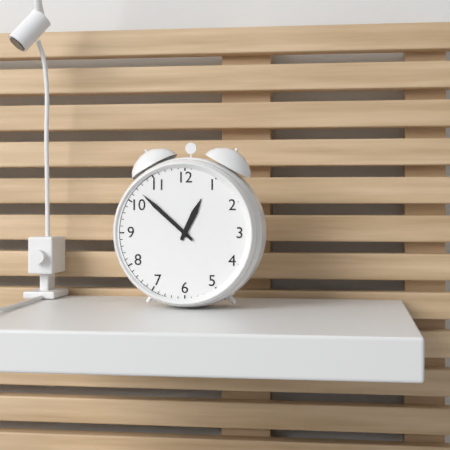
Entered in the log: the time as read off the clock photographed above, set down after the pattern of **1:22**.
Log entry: **12:52**
